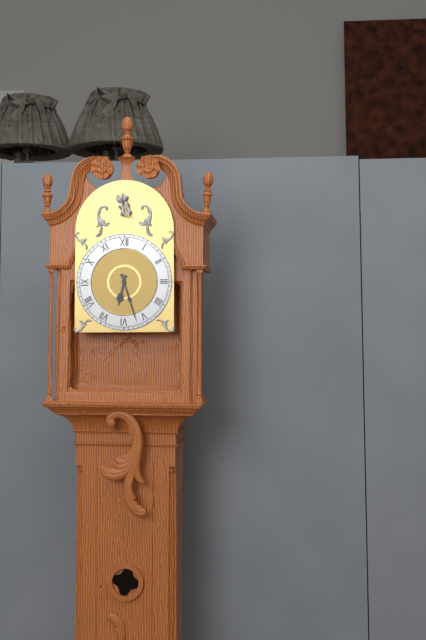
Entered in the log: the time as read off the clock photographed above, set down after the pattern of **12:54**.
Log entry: **6:27**
